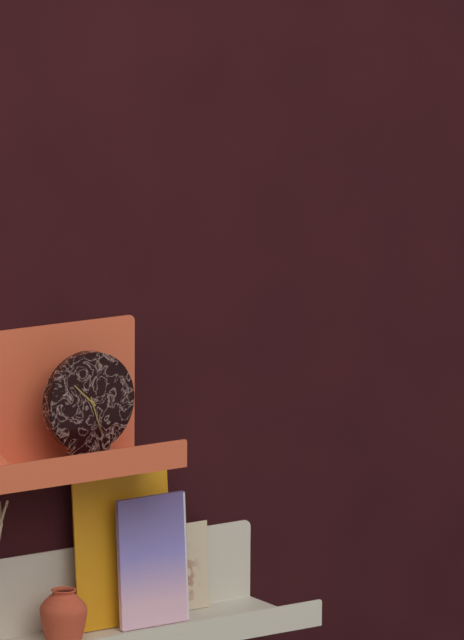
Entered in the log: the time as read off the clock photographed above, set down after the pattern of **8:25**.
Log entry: **10:27**
